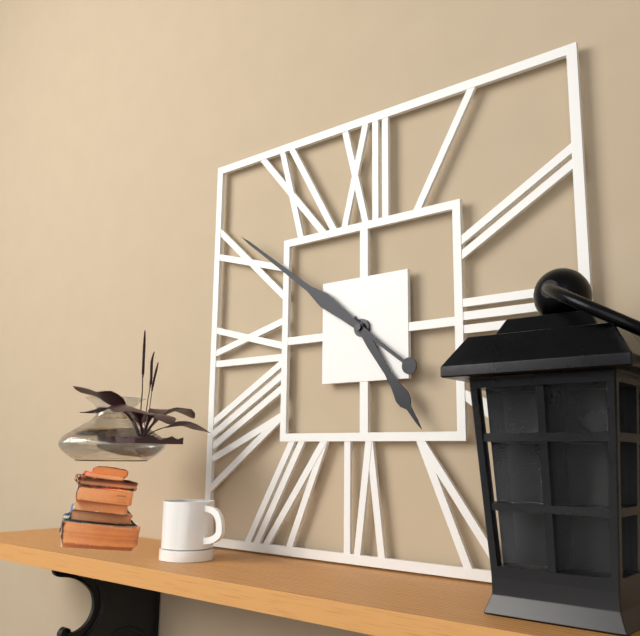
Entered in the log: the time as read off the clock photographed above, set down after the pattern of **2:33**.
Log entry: **4:51**
